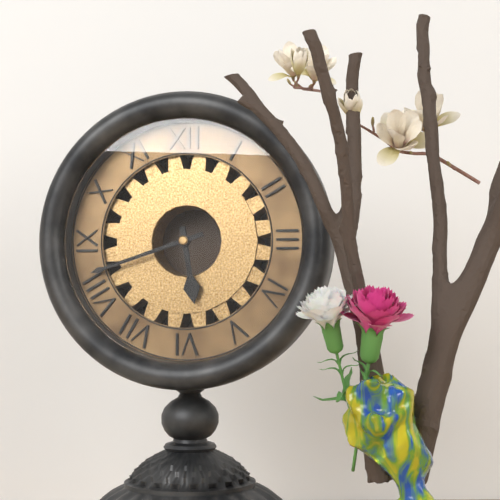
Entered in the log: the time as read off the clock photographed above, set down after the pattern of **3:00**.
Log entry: **5:42**
